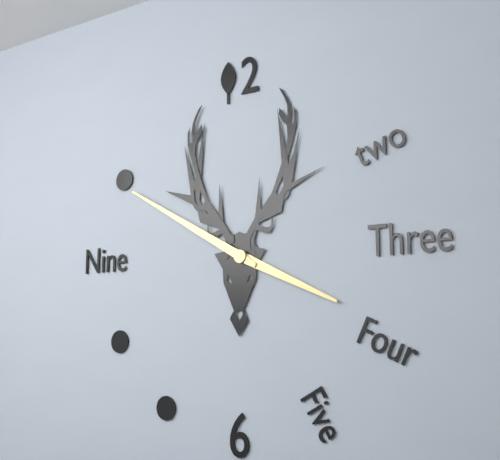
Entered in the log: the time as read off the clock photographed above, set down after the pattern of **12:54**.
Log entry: **3:50**
